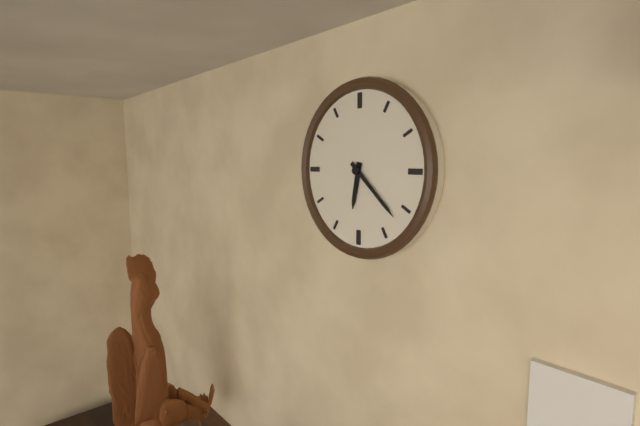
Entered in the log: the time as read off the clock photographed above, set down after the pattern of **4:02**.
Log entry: **6:22**
